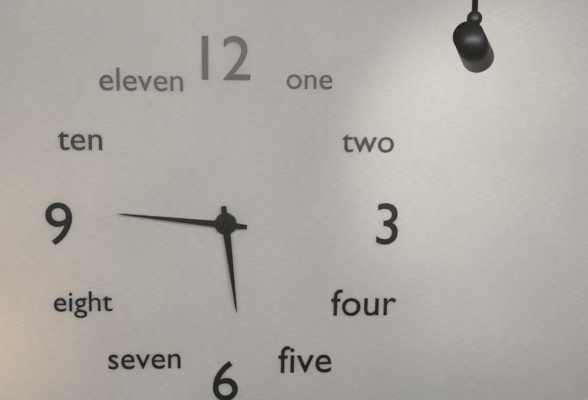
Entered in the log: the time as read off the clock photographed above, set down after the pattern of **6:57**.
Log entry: **5:46**
